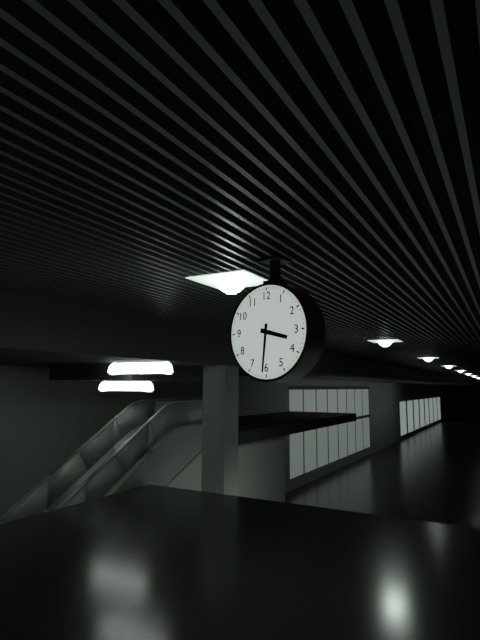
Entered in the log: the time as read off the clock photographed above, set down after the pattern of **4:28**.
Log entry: **3:31**
